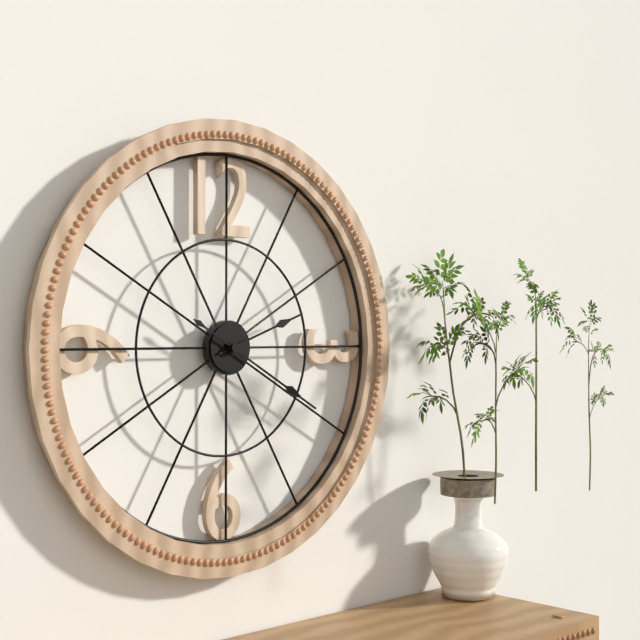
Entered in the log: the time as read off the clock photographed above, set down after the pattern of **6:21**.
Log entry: **2:20**
